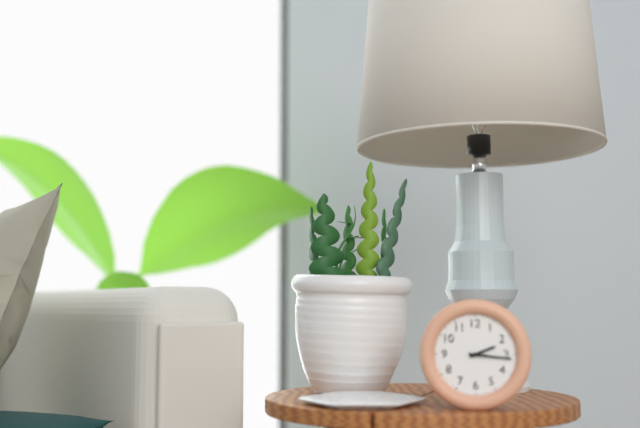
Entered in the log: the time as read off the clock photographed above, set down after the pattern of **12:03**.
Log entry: **2:16**
